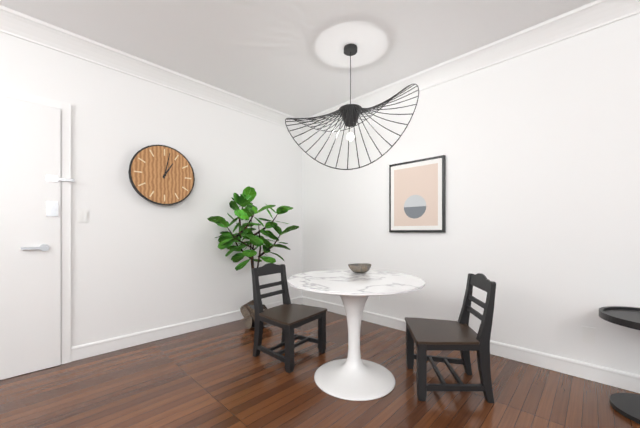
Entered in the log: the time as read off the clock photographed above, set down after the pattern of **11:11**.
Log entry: **1:02**
